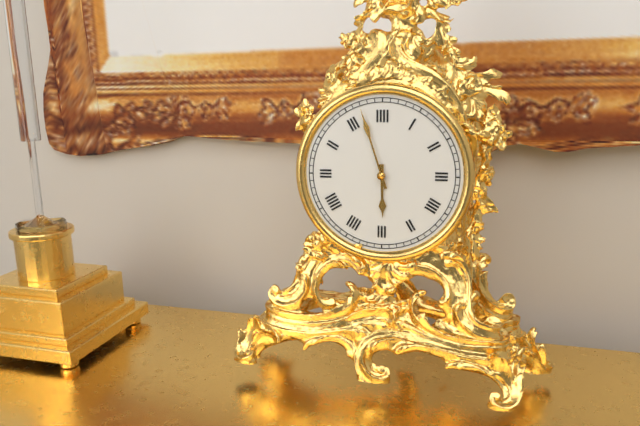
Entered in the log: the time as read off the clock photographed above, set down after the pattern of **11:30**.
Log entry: **5:57**
